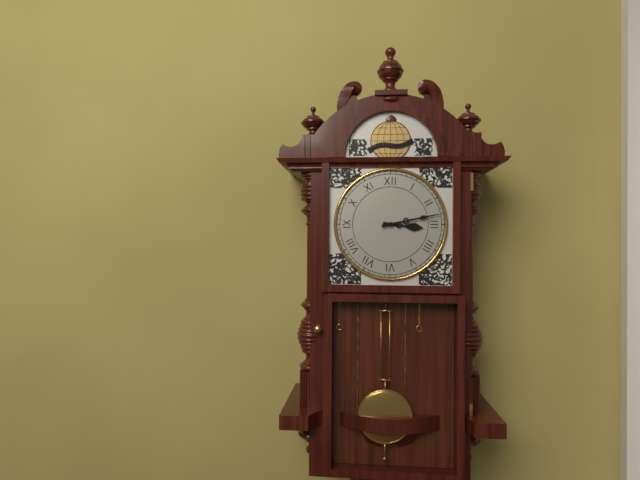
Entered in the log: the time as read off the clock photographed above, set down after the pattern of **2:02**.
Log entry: **3:13**
